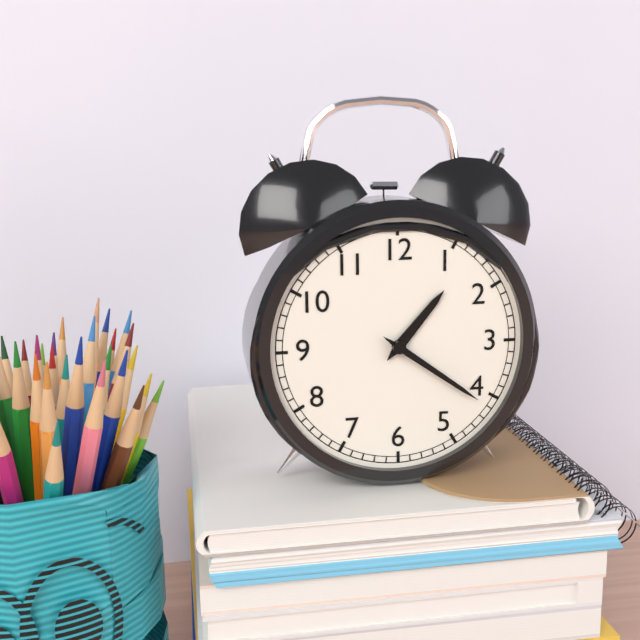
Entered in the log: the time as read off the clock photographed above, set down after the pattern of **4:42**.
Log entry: **1:21**
